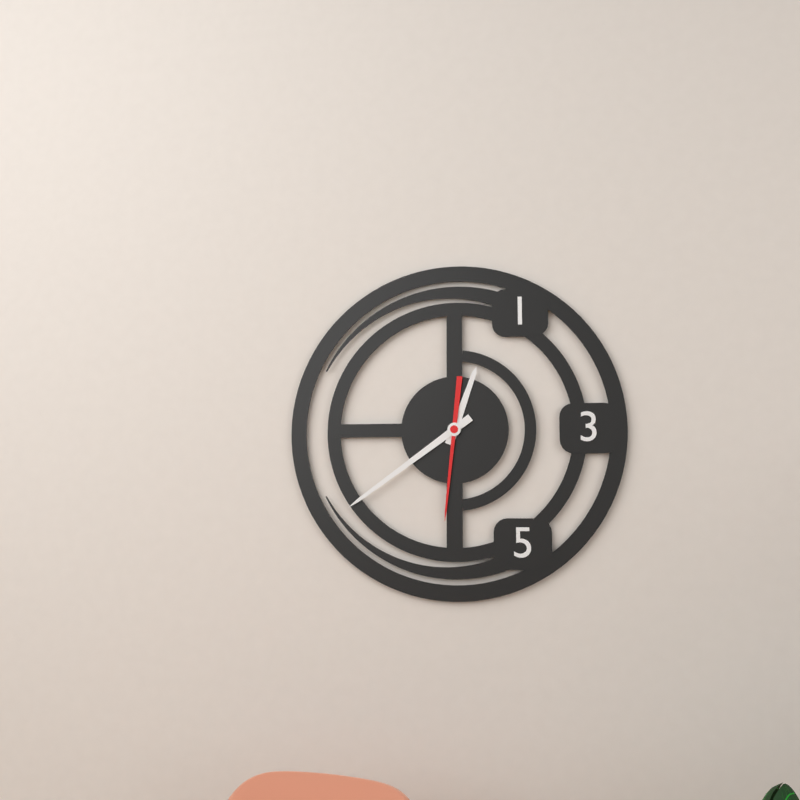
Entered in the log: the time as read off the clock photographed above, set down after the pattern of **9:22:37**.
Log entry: **12:39:31**
